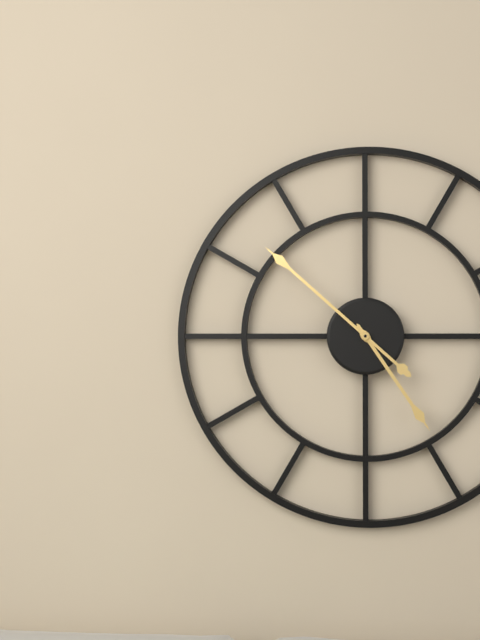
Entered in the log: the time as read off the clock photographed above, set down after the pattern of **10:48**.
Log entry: **4:52**
